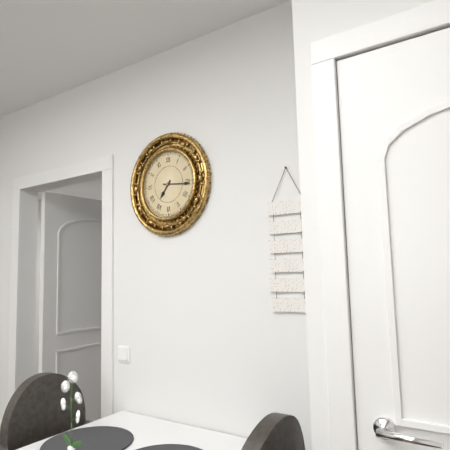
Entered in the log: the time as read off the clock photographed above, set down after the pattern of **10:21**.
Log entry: **7:16**
